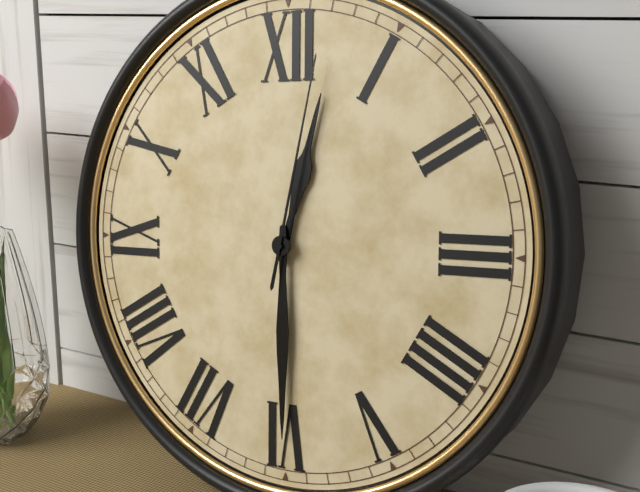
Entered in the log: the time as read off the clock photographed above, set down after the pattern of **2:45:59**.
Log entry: **12:30:02**
